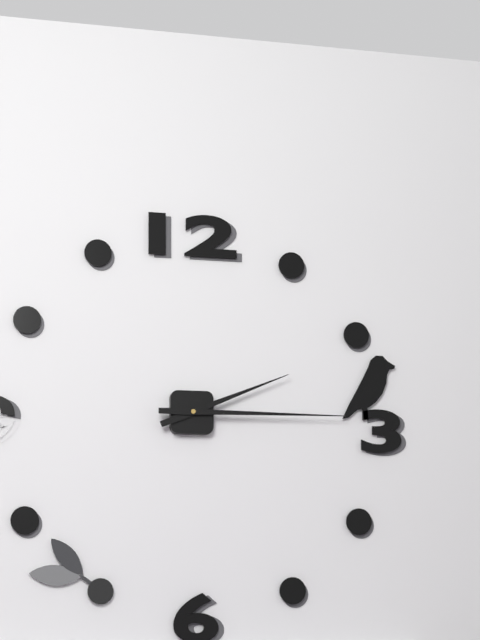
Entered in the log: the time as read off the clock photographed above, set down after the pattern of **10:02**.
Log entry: **2:15**
